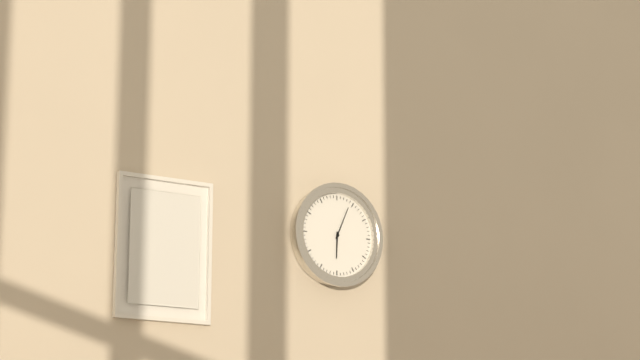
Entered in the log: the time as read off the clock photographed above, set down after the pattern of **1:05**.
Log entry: **6:04**
